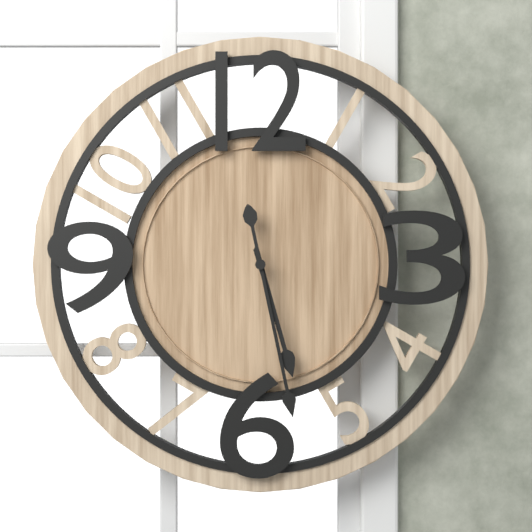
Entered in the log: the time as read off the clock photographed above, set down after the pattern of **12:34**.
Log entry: **5:28**
